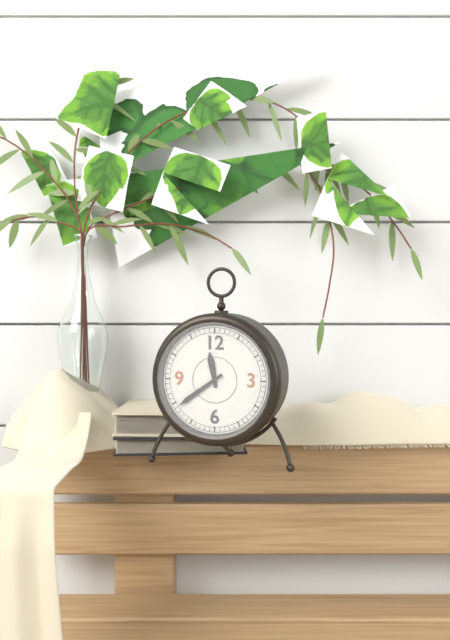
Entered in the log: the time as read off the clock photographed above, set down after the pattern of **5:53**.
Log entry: **11:39**
